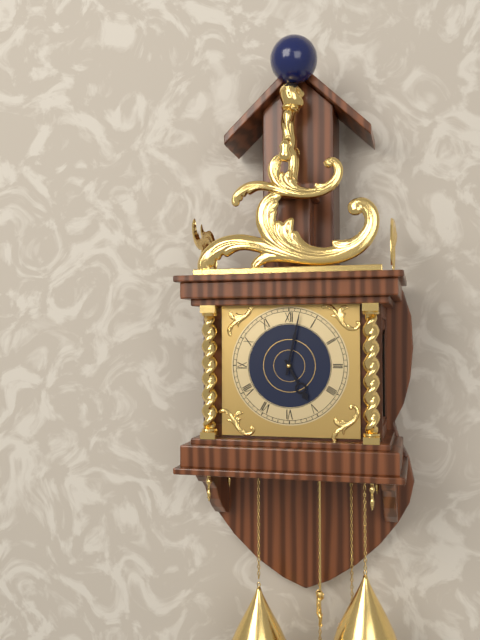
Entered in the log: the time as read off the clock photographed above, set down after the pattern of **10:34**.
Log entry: **5:02**
